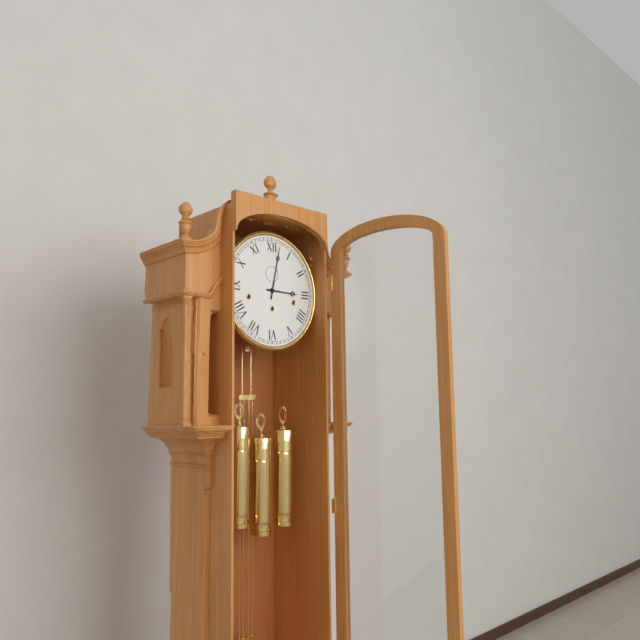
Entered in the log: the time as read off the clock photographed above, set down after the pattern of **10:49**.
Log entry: **3:02**
